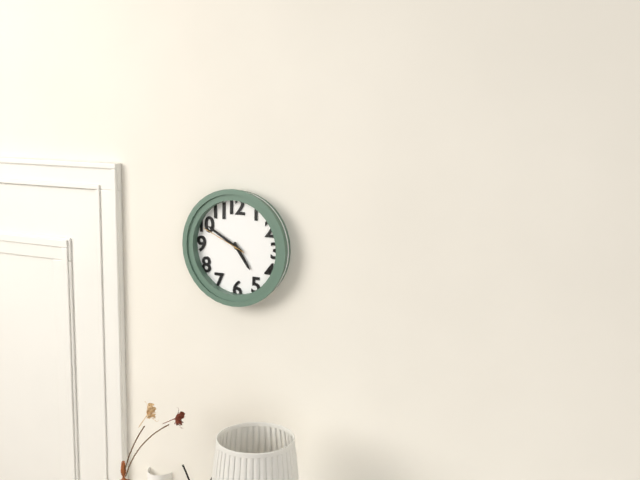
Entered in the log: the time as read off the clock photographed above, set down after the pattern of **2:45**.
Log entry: **4:50**
